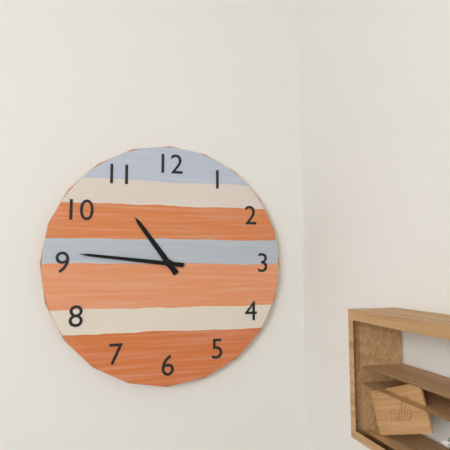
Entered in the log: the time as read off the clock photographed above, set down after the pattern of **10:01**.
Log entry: **10:46**
